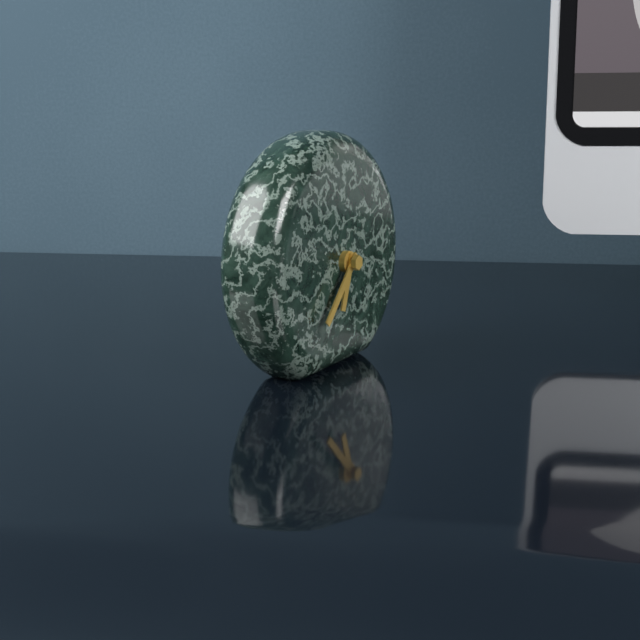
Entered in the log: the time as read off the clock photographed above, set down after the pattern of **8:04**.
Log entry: **6:37**
